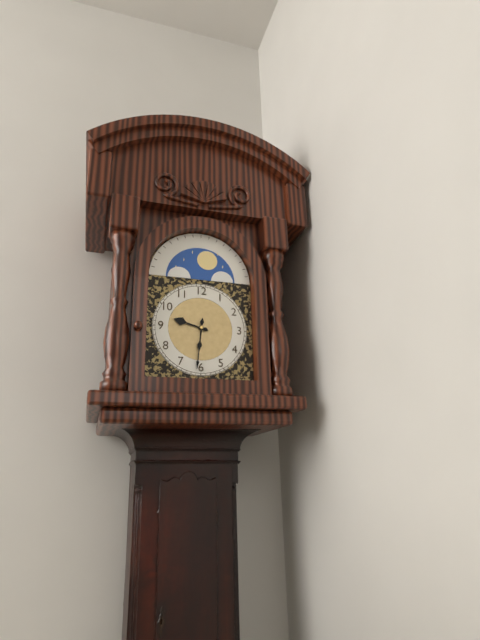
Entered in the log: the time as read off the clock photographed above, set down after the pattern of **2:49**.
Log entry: **9:31**
